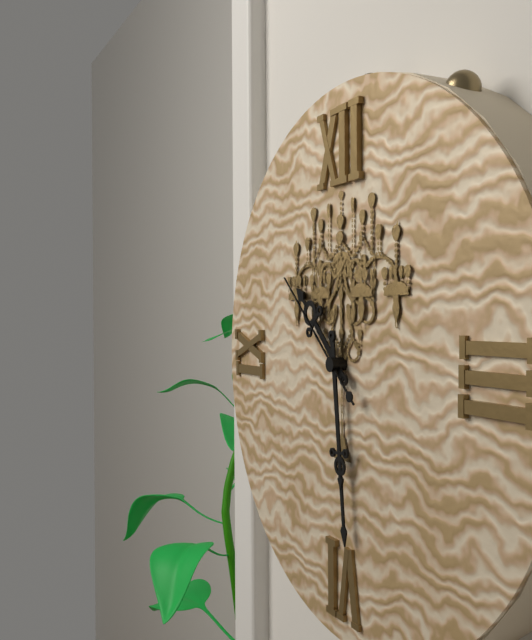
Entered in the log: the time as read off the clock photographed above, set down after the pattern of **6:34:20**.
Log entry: **10:29:52**
